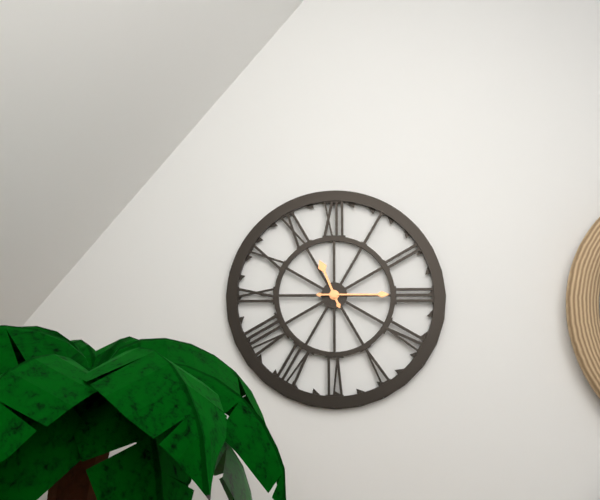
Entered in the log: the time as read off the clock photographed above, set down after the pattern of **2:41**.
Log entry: **11:15**
